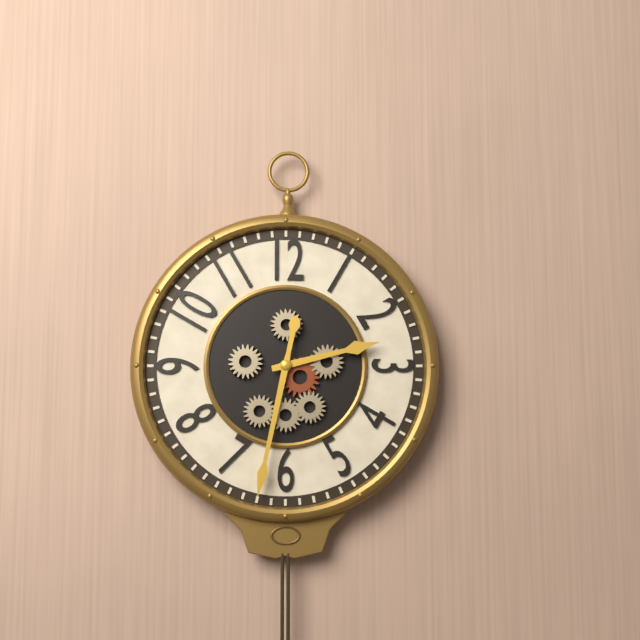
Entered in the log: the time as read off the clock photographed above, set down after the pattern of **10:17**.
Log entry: **2:32**
